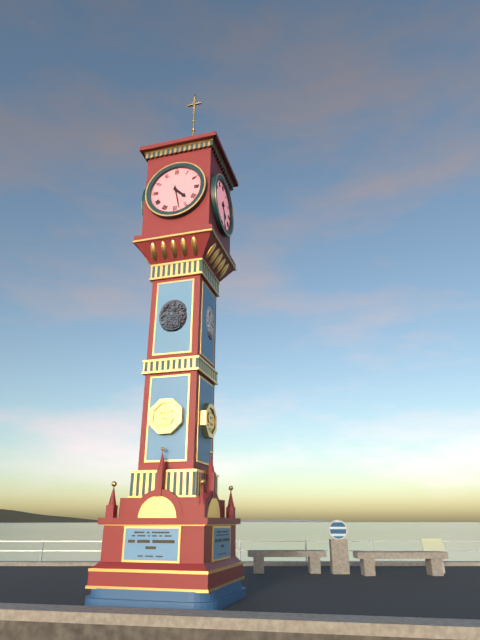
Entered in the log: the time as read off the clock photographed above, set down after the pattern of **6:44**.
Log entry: **4:28**
